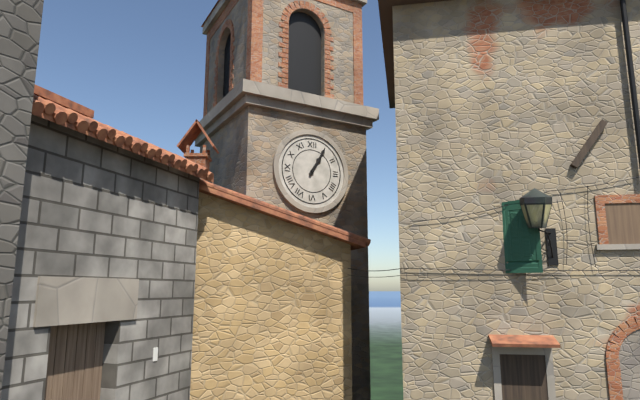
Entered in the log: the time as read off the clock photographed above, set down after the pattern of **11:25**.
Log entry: **1:05**
